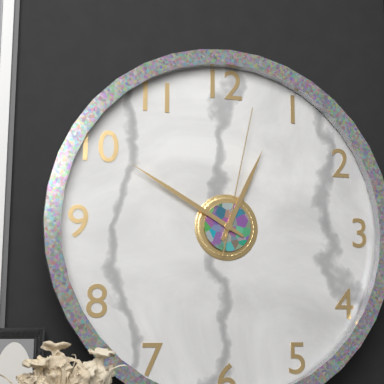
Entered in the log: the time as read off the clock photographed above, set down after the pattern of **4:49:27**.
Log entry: **12:50:02**
